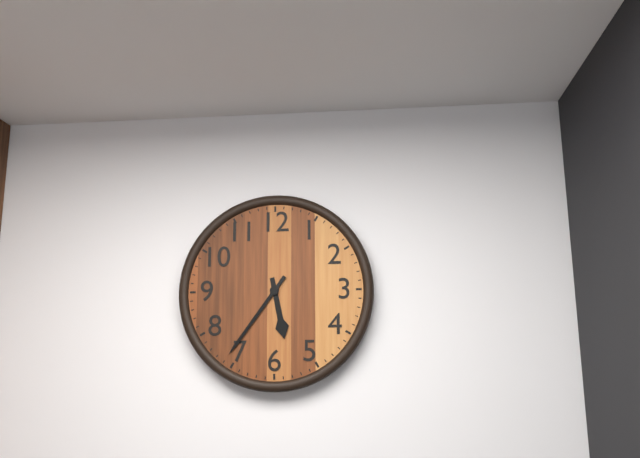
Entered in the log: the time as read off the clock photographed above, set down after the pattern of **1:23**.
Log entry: **5:36**
